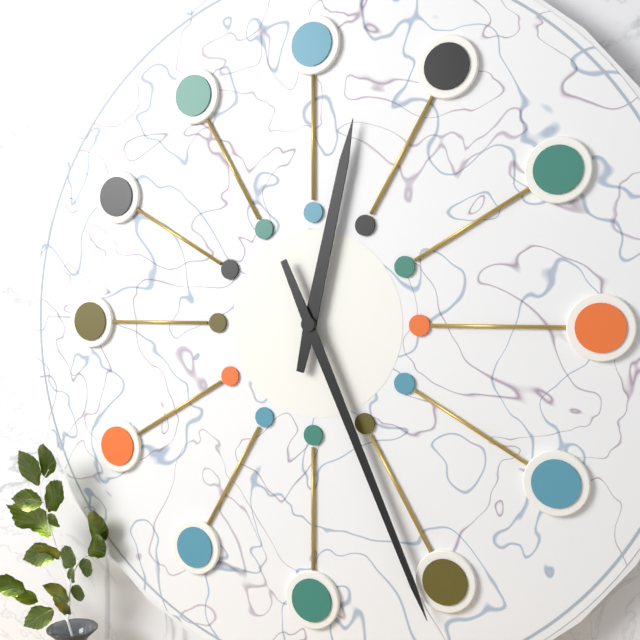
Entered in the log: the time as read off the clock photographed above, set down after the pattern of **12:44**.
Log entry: **12:26**
